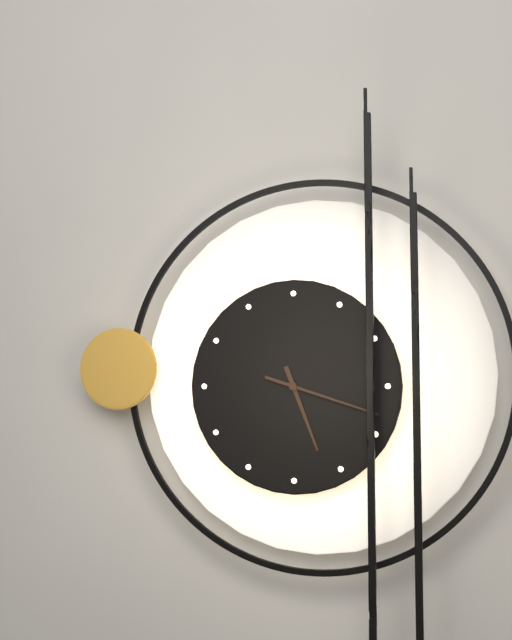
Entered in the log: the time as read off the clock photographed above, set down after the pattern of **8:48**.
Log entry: **5:18**
